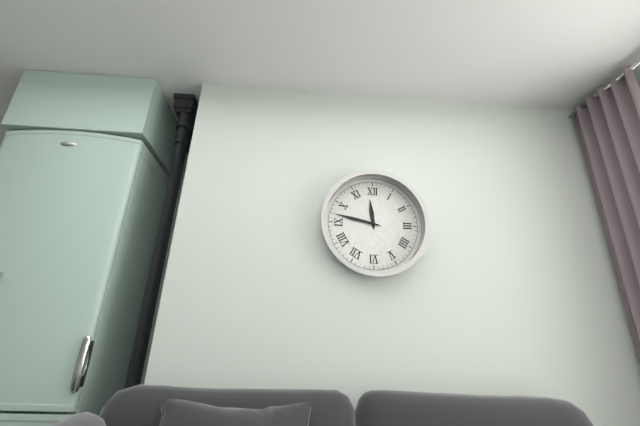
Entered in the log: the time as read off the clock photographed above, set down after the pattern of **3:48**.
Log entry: **11:47**
